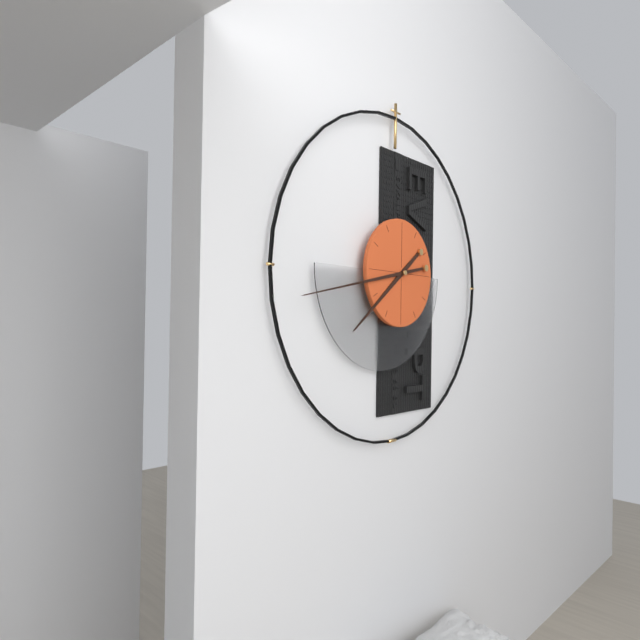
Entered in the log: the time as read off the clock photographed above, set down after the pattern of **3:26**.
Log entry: **7:43**
